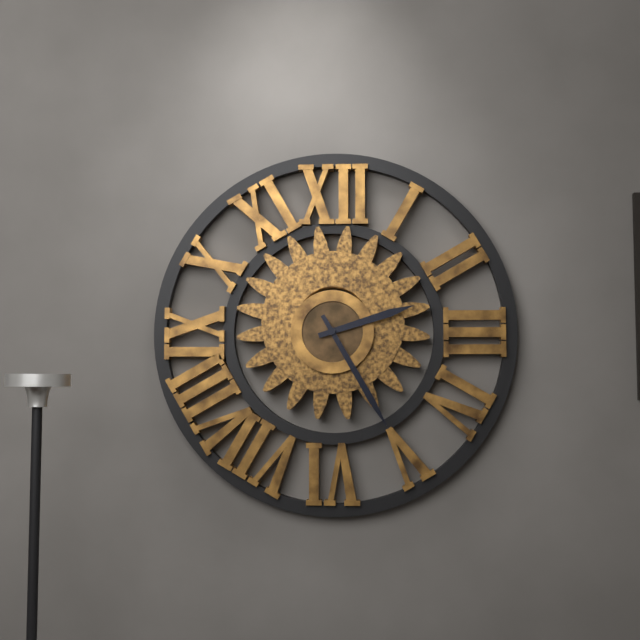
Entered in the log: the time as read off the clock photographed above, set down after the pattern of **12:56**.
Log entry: **2:25**
